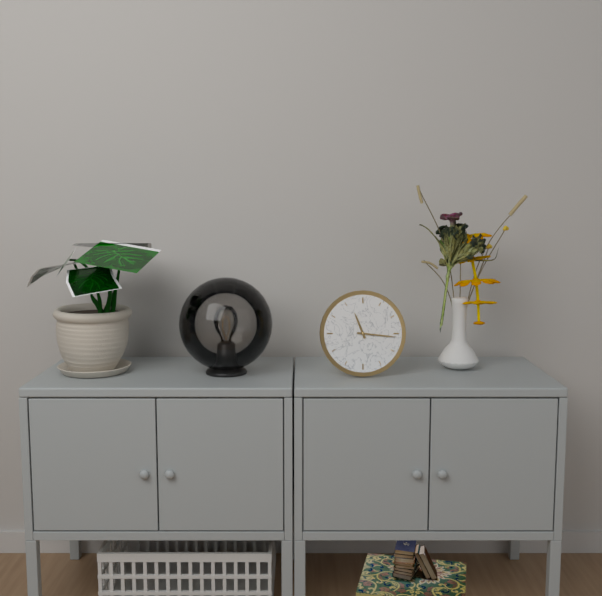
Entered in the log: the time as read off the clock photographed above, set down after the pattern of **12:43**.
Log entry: **11:16**
